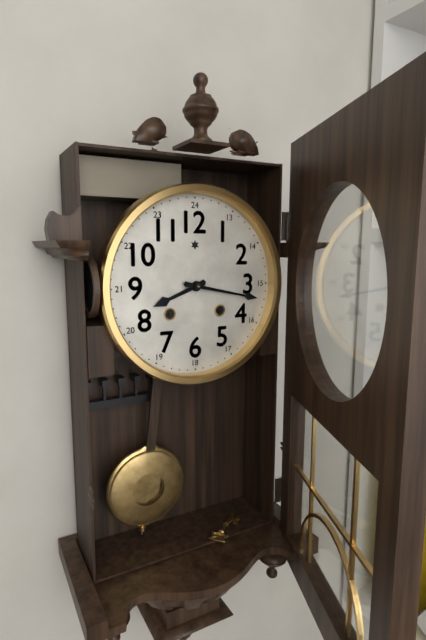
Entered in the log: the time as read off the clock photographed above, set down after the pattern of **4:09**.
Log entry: **8:17**
